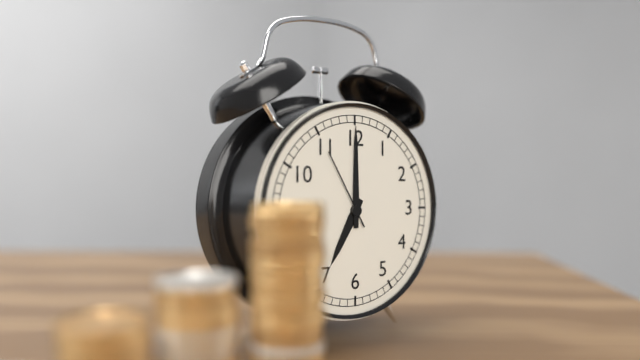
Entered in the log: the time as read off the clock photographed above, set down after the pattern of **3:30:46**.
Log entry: **7:00:55**
